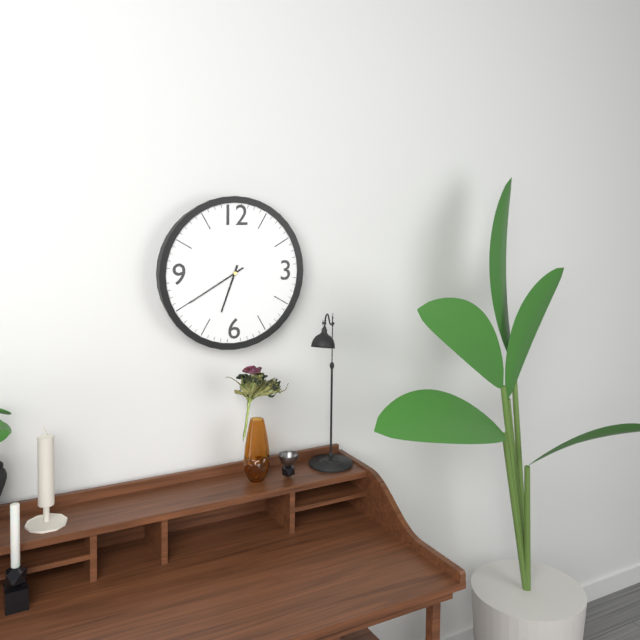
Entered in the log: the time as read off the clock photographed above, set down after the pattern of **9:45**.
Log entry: **6:40**
